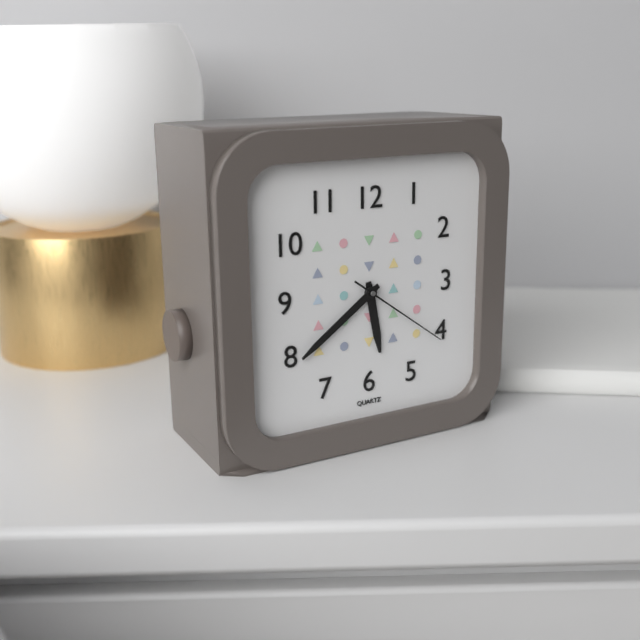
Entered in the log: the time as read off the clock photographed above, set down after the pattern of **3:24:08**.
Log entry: **5:39:21**
